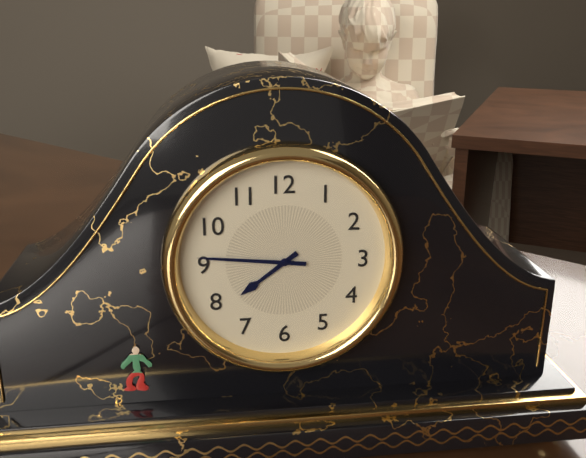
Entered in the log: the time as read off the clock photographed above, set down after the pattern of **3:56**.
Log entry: **7:46**
